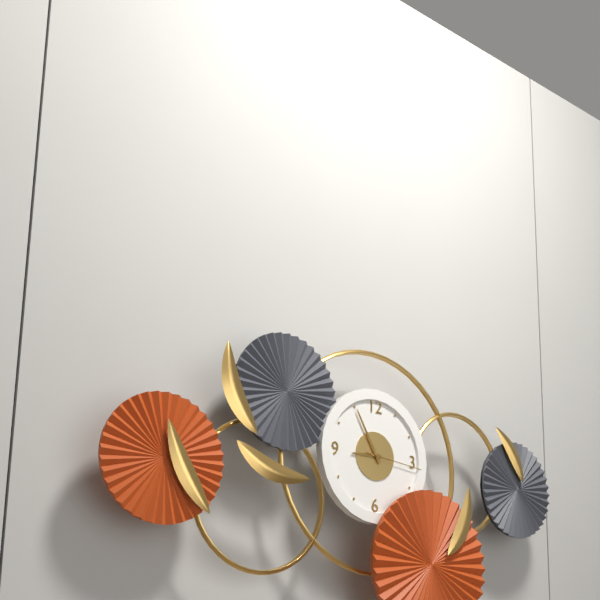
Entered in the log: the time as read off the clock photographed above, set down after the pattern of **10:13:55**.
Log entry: **8:55:16**
